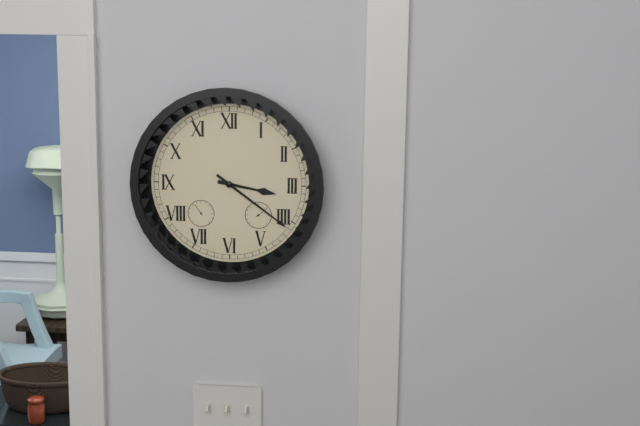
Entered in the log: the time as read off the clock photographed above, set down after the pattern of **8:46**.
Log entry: **3:21**
